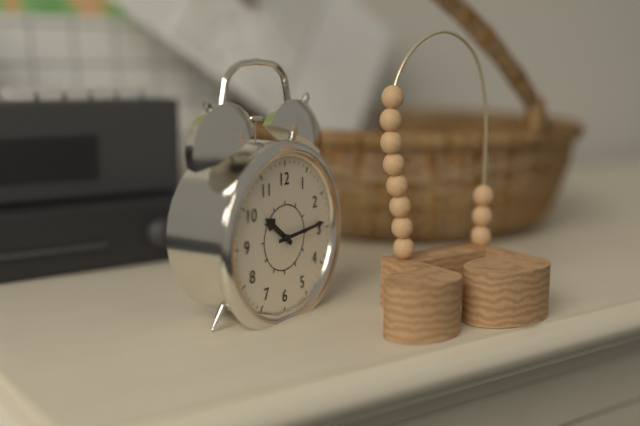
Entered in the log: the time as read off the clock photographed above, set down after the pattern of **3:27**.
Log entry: **10:14**
